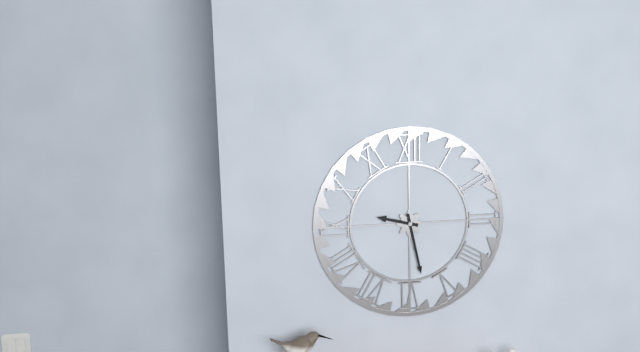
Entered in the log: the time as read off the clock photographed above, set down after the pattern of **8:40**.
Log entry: **9:28**
